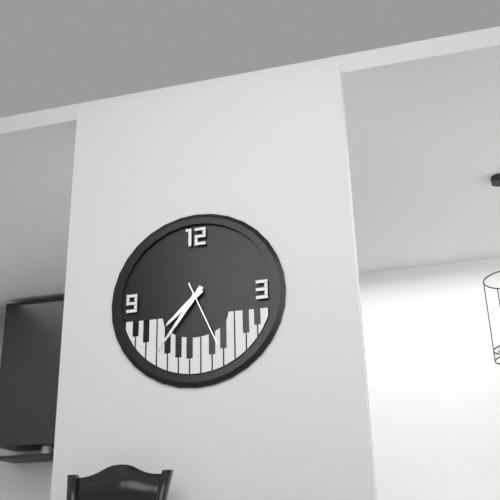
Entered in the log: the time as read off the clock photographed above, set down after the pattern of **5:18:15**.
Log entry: **7:36:26**
